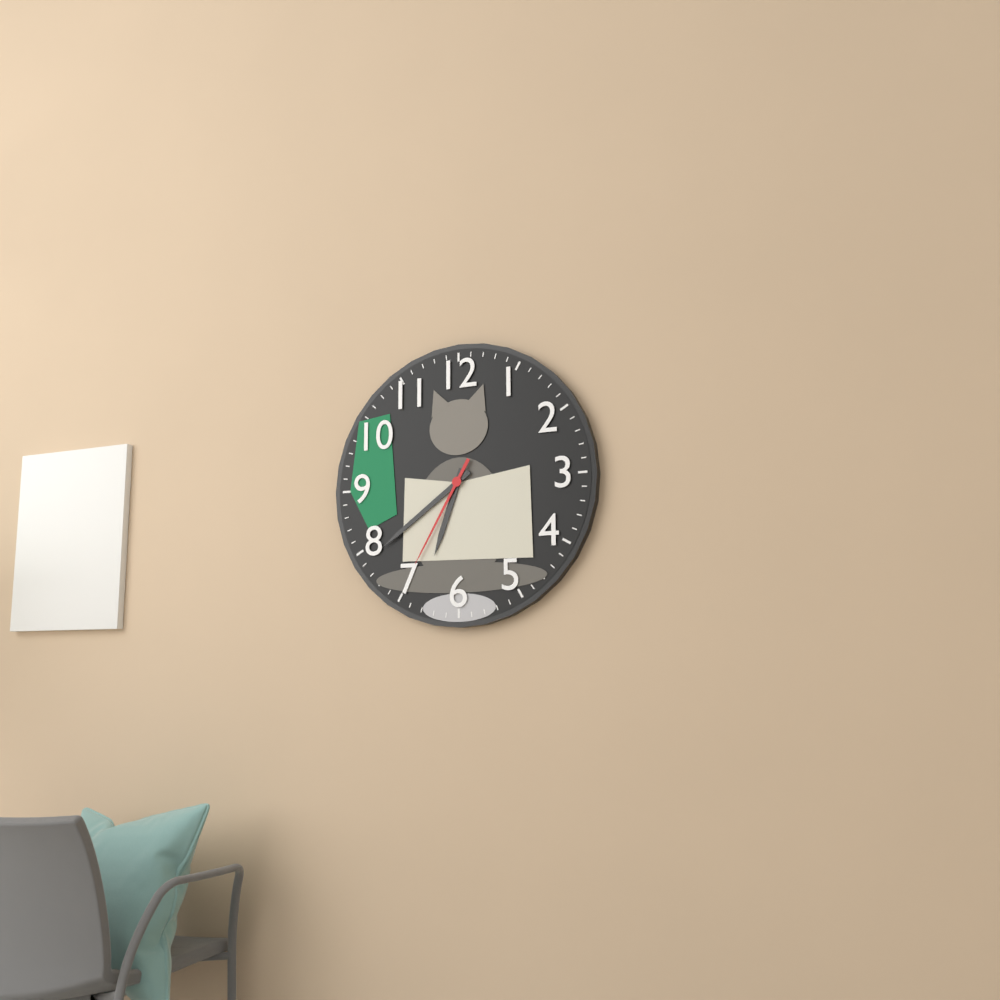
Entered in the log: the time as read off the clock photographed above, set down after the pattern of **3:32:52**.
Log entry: **6:39:35**
